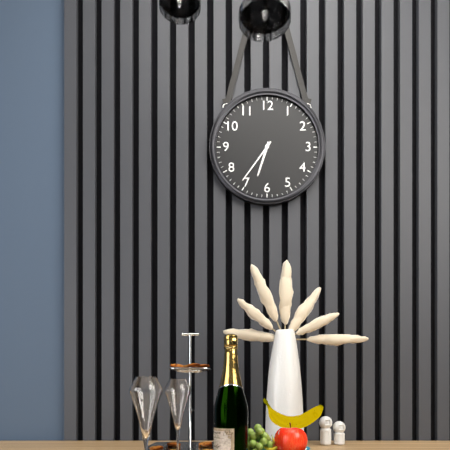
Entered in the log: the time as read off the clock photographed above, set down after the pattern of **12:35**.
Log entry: **6:36**
